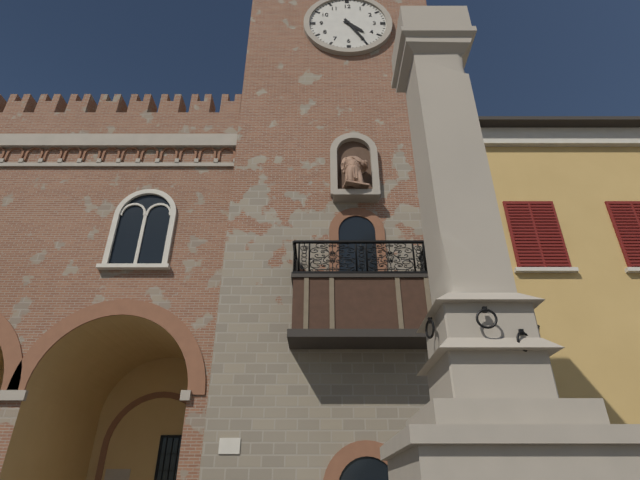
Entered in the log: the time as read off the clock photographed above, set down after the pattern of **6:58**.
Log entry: **4:25**
